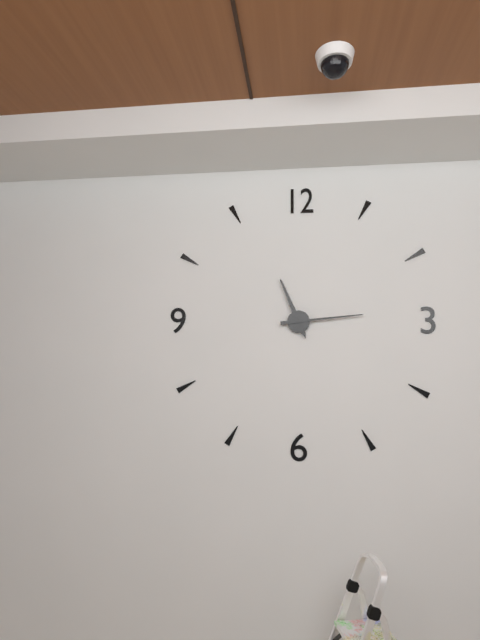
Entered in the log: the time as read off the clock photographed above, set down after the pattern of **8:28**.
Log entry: **11:14**
